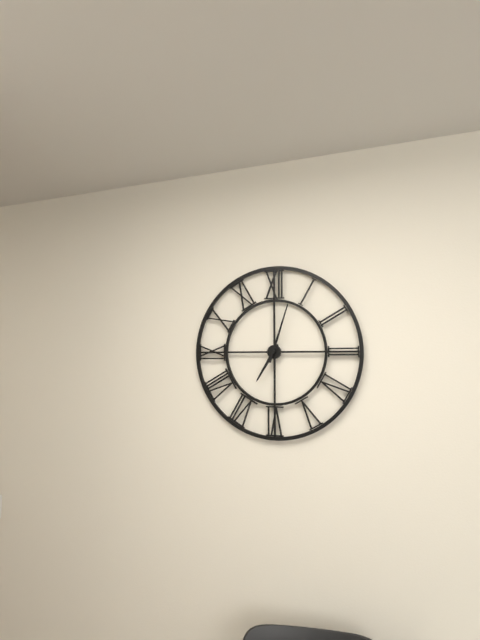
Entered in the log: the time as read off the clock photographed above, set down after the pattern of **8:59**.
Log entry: **7:03**
